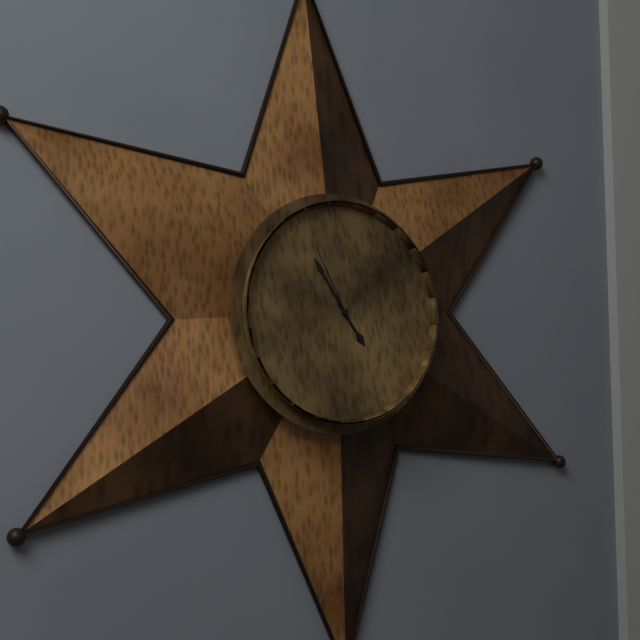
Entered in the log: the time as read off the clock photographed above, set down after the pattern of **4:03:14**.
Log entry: **4:55:56**
